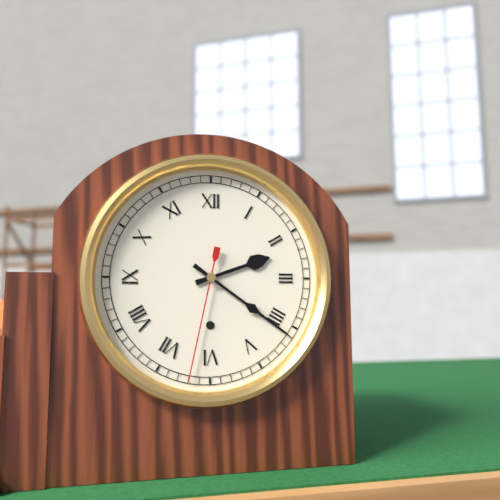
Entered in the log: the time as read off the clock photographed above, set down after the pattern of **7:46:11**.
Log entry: **2:21:32**
